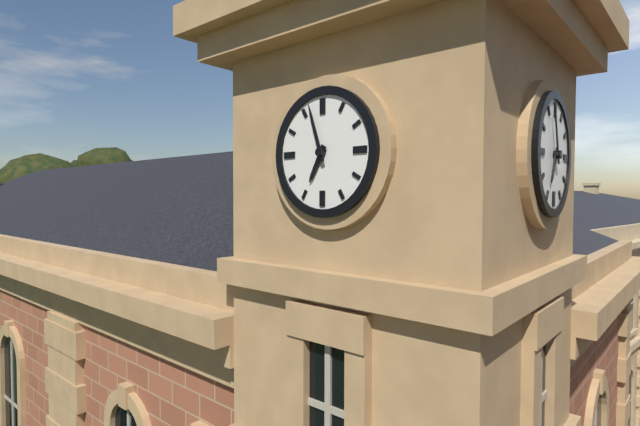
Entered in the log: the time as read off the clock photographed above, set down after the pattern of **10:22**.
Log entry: **6:57**
